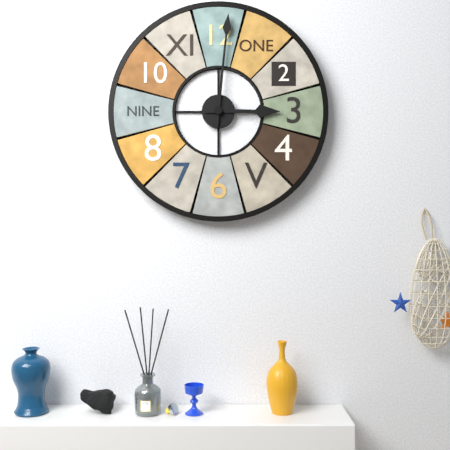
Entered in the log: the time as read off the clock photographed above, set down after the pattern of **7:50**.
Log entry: **3:01**
